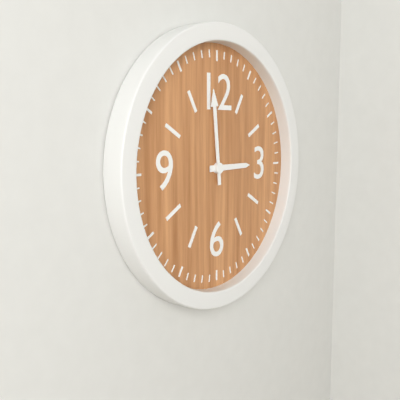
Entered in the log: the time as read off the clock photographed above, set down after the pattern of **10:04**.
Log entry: **2:59**
